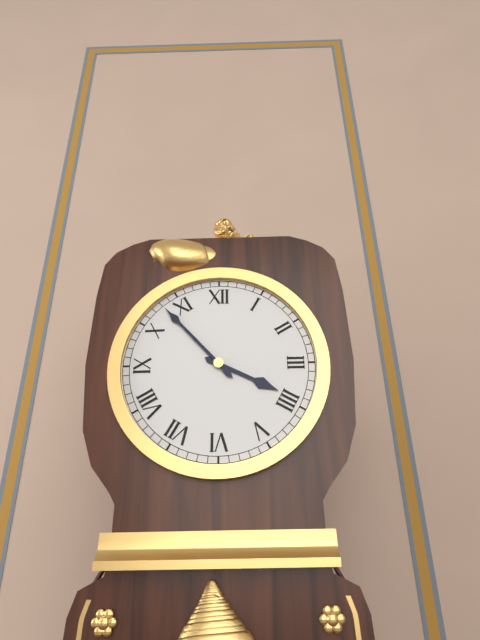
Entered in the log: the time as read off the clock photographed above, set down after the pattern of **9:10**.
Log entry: **3:53**
